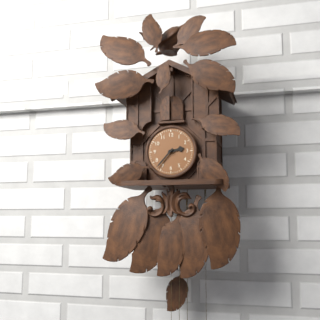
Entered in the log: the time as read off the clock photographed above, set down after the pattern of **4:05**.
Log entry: **2:37**
